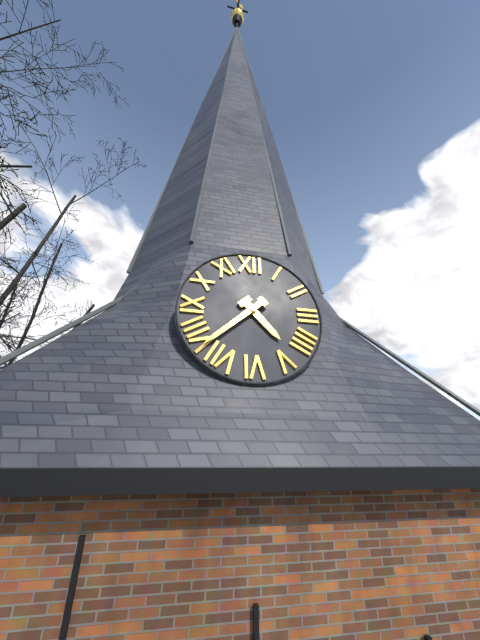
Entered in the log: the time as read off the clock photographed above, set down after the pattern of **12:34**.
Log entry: **4:38**
